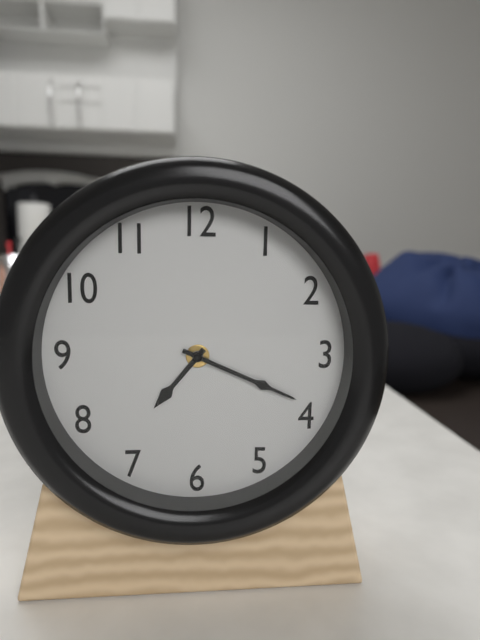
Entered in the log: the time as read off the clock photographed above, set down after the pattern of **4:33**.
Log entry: **7:19**
